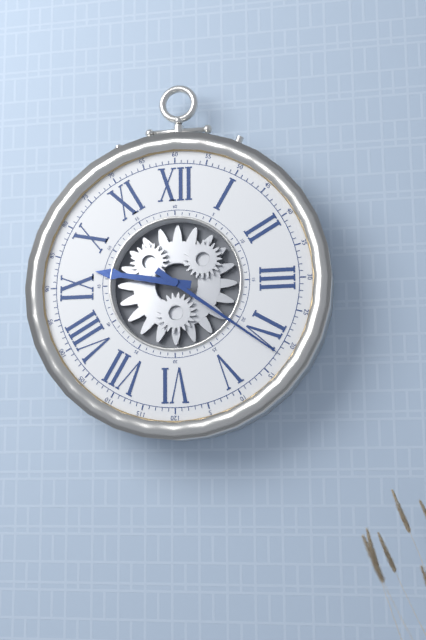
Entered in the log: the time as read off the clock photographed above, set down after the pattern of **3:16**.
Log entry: **9:21**
